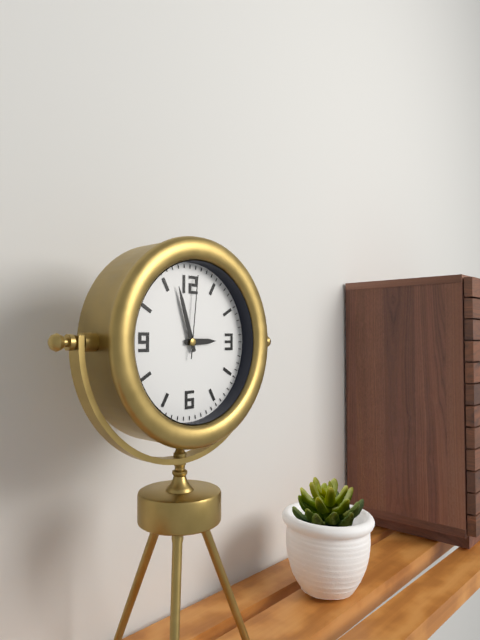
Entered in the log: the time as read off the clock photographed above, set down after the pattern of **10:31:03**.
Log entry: **2:57:01**
